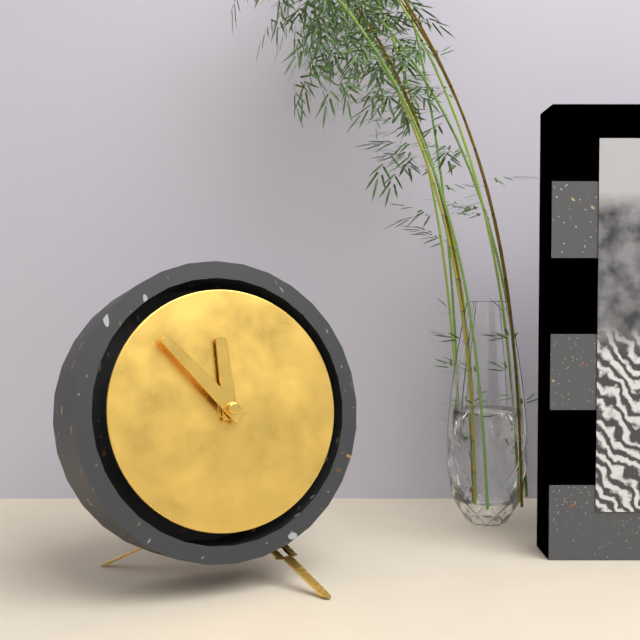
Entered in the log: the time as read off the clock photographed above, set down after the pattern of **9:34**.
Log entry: **11:53**
